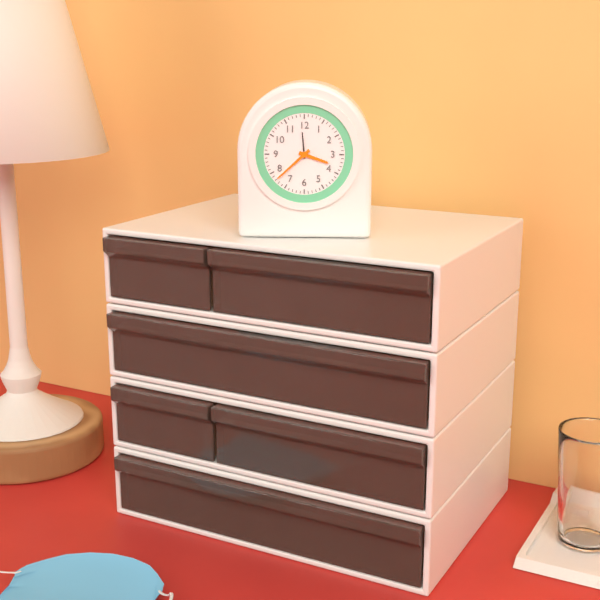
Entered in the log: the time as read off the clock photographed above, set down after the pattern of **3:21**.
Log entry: **3:38**
